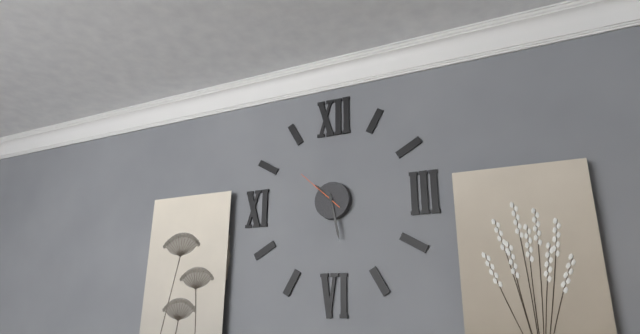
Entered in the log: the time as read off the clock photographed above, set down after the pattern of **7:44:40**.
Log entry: **10:28:52**
